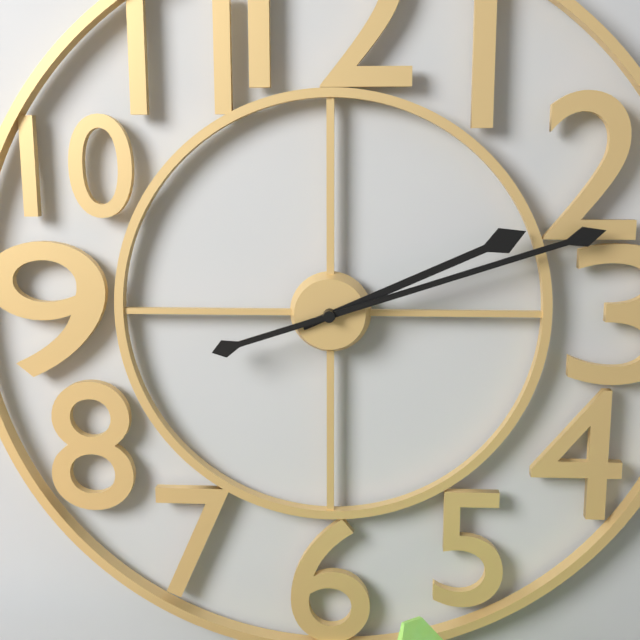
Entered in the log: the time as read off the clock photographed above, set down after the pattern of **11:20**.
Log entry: **2:12**
